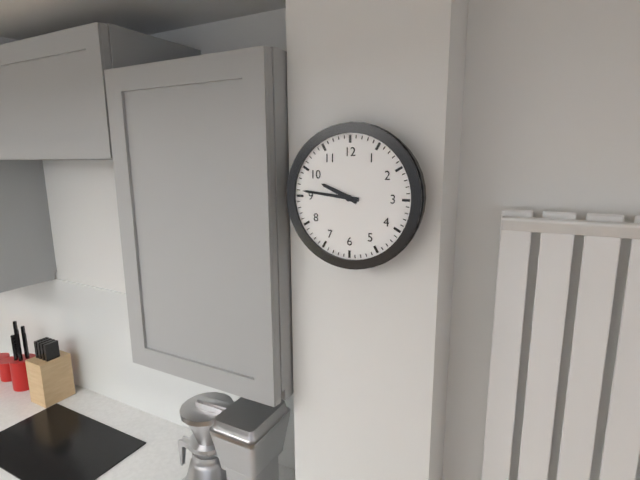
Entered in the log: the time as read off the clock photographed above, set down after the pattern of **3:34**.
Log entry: **9:46**
